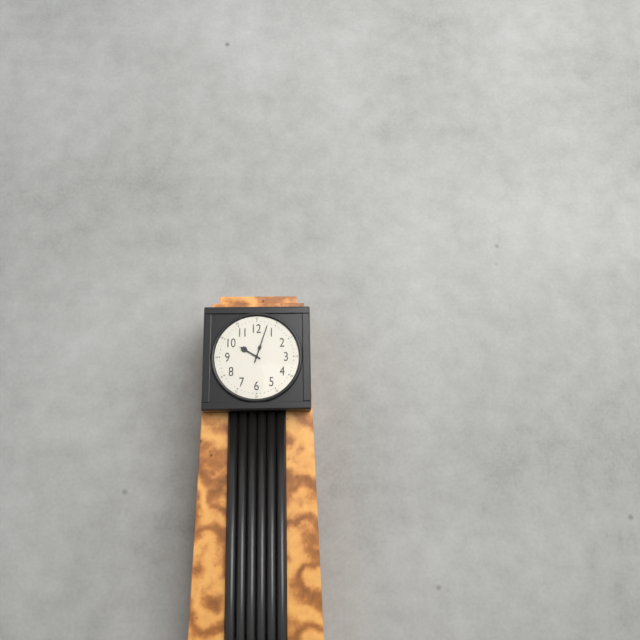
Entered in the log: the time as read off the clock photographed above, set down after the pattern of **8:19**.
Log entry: **10:03**
